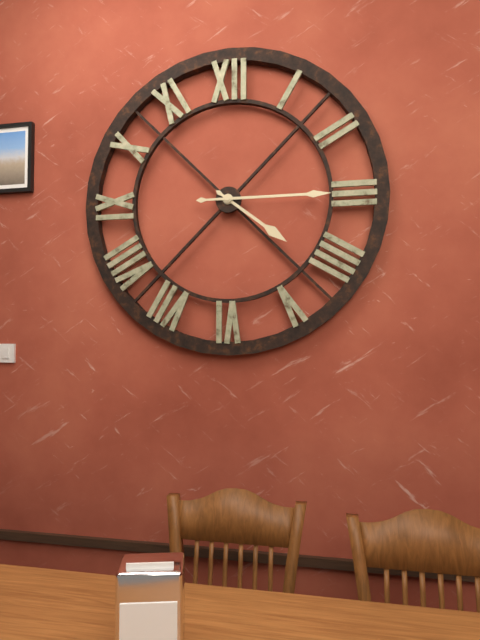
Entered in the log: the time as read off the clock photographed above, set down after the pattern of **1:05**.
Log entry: **4:15**
